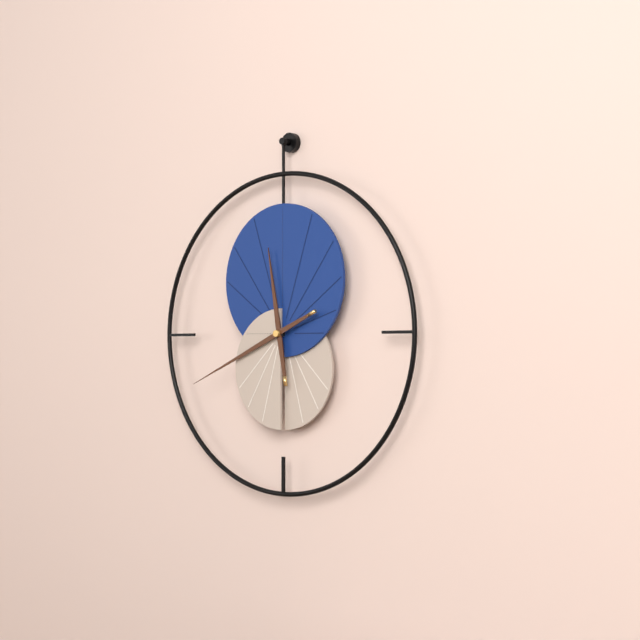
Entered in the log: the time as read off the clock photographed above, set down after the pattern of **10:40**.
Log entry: **11:41**
